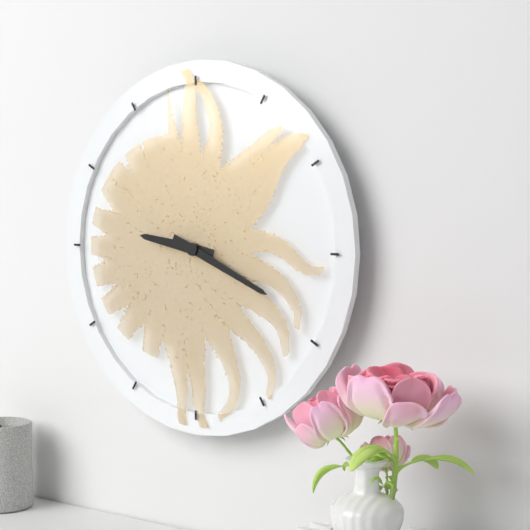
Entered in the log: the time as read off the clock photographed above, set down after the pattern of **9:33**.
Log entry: **9:19**
